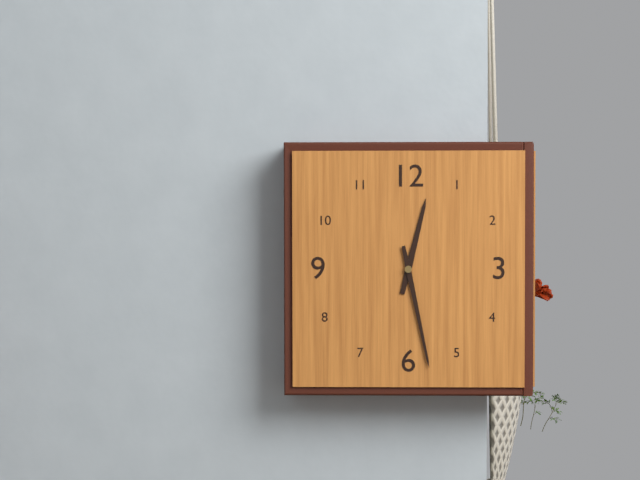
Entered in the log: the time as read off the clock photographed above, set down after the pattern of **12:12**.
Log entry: **12:28**
